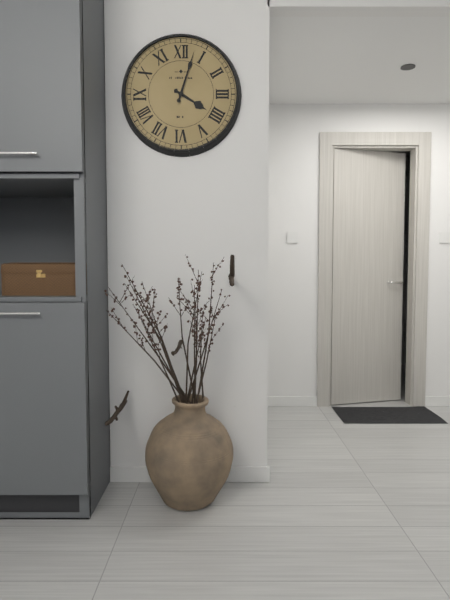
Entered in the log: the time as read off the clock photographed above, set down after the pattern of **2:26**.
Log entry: **4:03**
